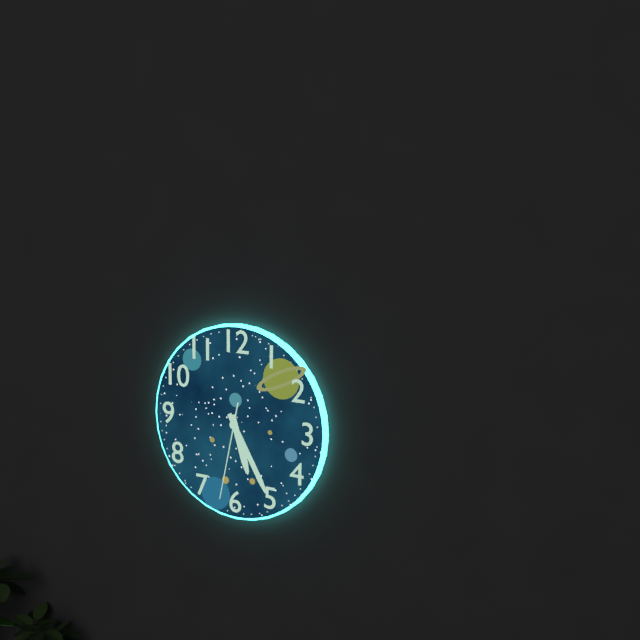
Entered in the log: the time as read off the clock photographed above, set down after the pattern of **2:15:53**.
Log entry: **5:25:32**
